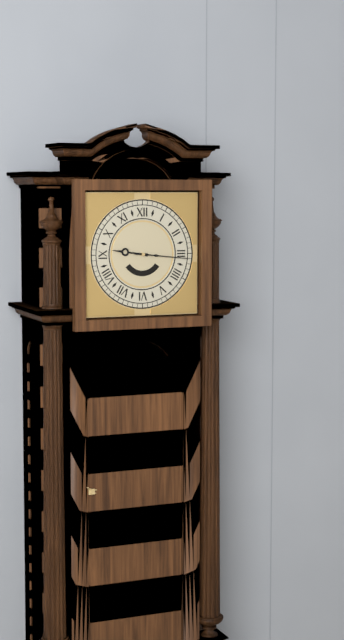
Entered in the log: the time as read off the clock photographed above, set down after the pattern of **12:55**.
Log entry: **9:16**
